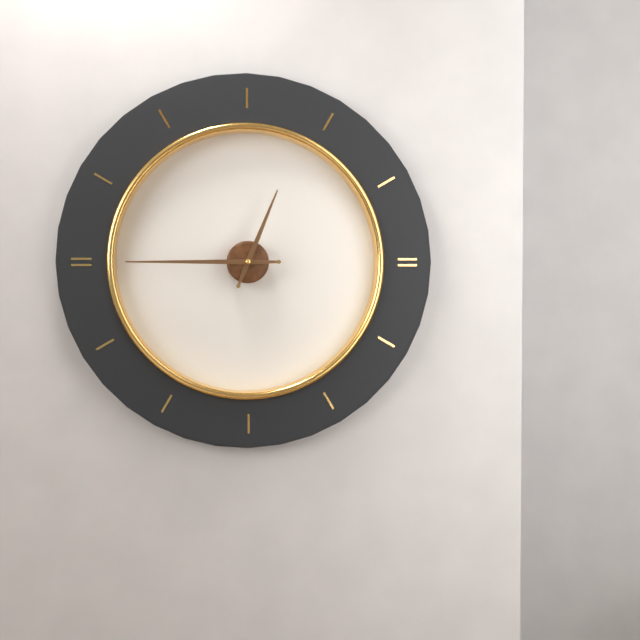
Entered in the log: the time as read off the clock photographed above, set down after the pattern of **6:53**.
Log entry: **12:45**
